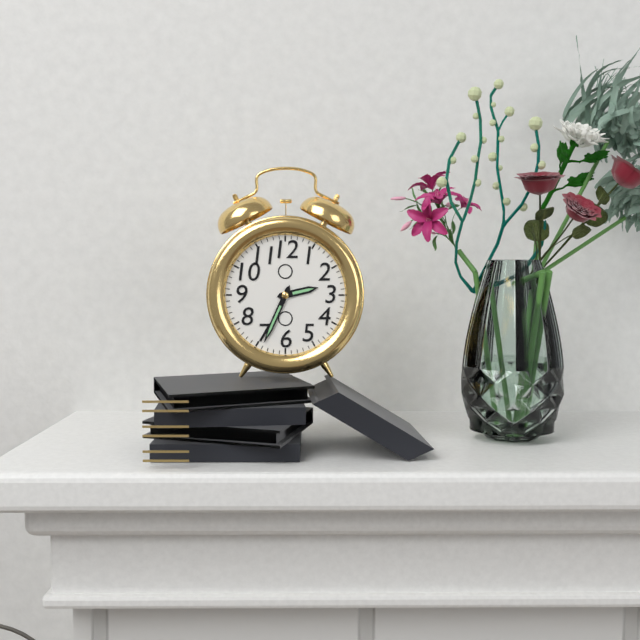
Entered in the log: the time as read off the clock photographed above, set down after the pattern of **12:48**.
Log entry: **2:34**
